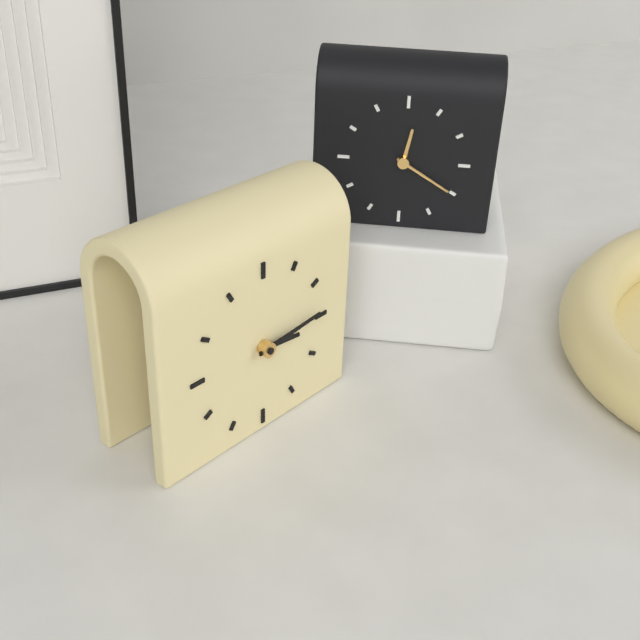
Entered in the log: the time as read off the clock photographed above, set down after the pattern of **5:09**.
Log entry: **3:14**
